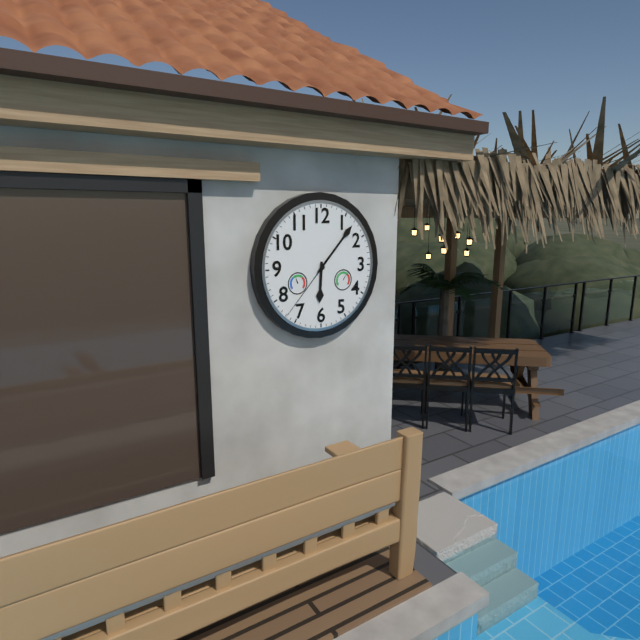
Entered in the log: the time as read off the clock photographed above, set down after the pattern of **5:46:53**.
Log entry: **6:07:37**
